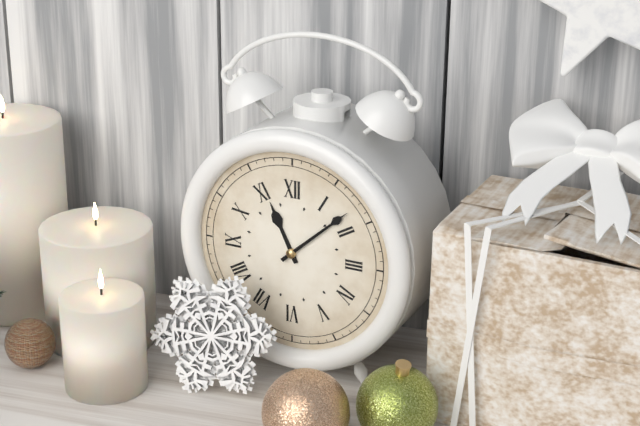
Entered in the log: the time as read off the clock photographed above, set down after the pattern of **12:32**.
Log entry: **11:08**
